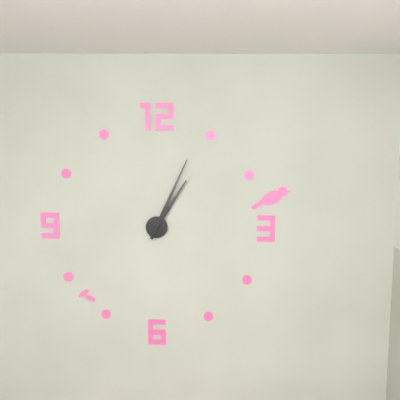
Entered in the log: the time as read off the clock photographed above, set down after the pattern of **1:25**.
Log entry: **1:04**
